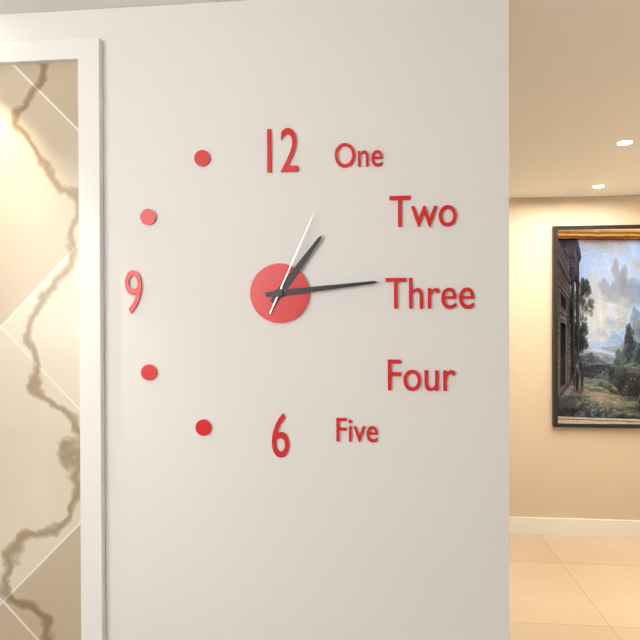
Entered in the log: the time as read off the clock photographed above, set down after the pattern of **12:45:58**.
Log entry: **1:14:04**
